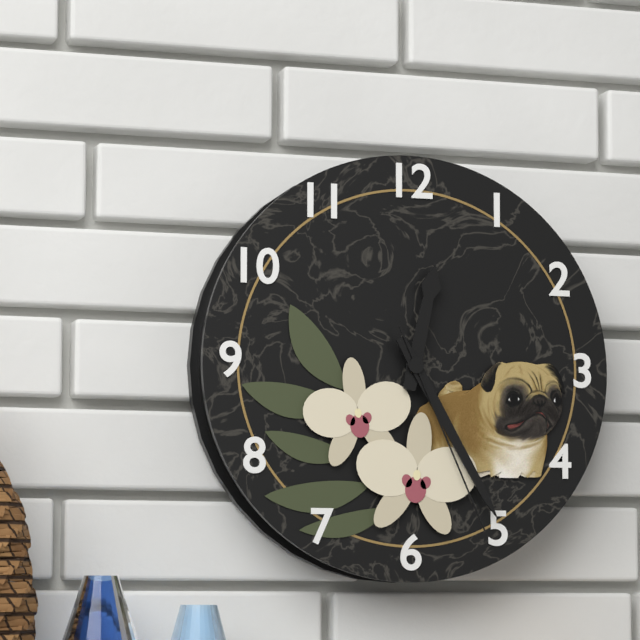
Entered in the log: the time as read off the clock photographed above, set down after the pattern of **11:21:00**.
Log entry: **12:25:26**
